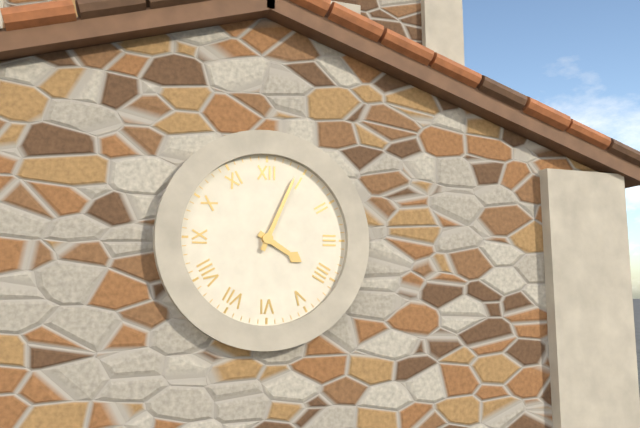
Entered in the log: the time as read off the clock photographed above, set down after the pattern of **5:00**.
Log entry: **4:04**
